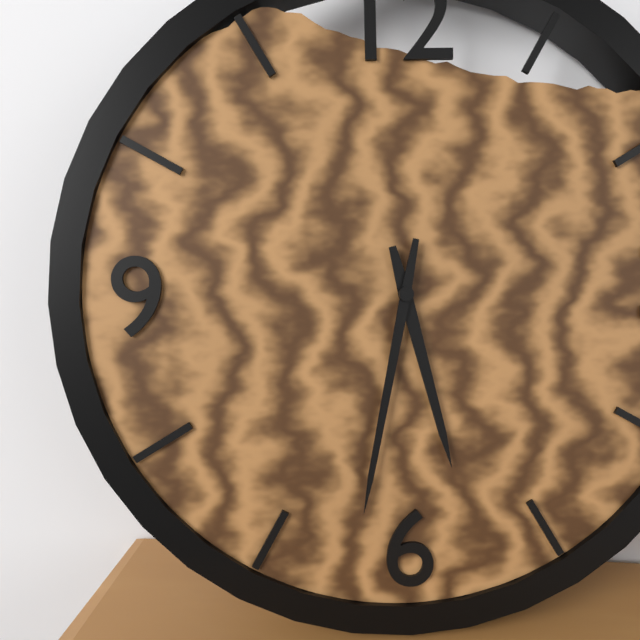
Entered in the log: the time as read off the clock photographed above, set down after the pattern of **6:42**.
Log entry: **5:32**
